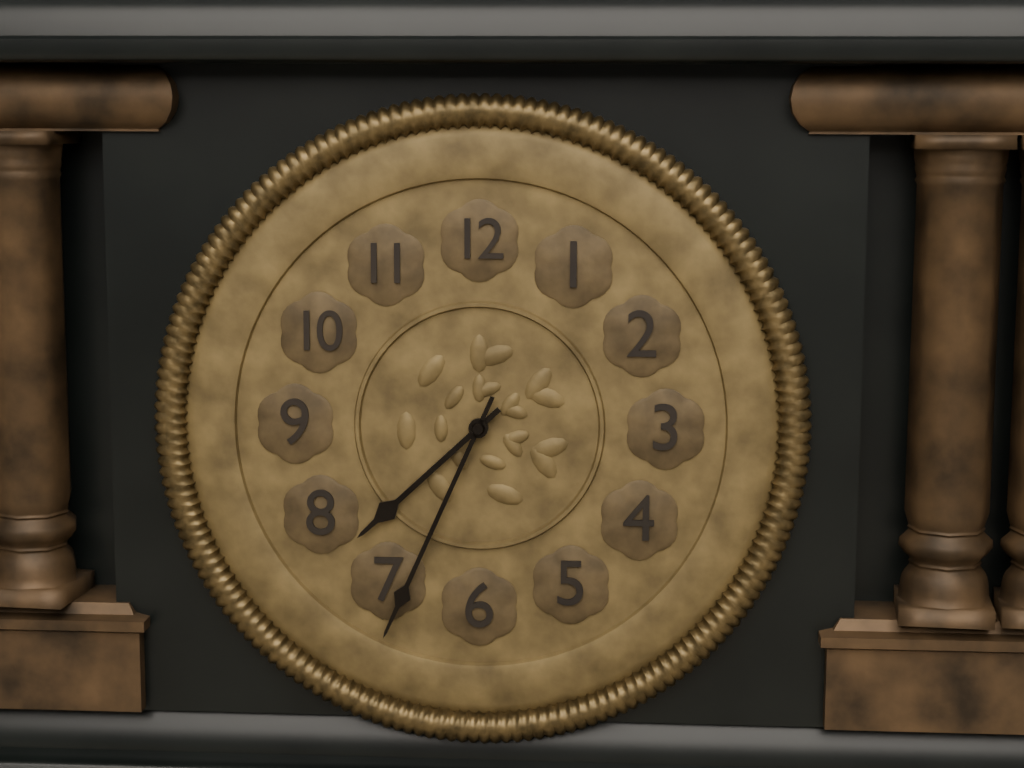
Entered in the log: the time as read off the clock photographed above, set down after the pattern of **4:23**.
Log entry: **7:34**
